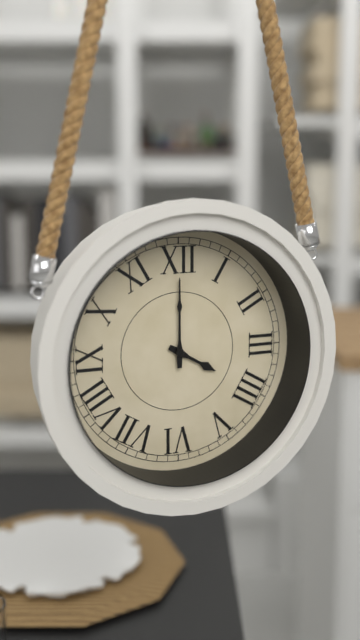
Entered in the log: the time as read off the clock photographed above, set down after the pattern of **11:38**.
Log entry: **4:00**
